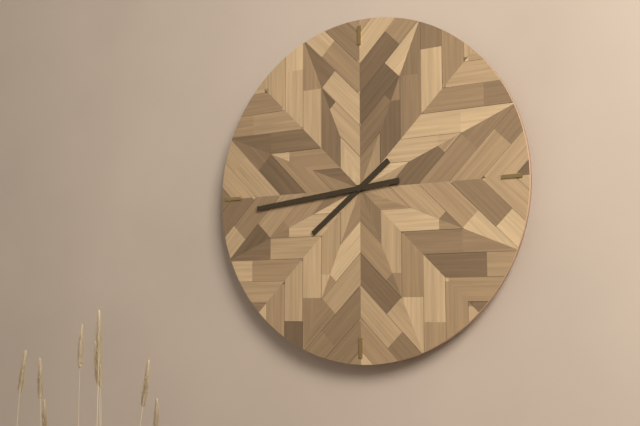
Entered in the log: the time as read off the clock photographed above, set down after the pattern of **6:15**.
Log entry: **7:44**
